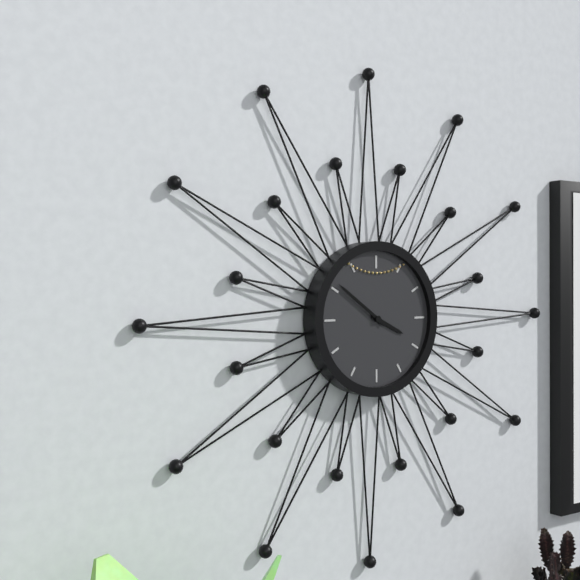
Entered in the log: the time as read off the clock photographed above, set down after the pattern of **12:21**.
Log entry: **3:51**
